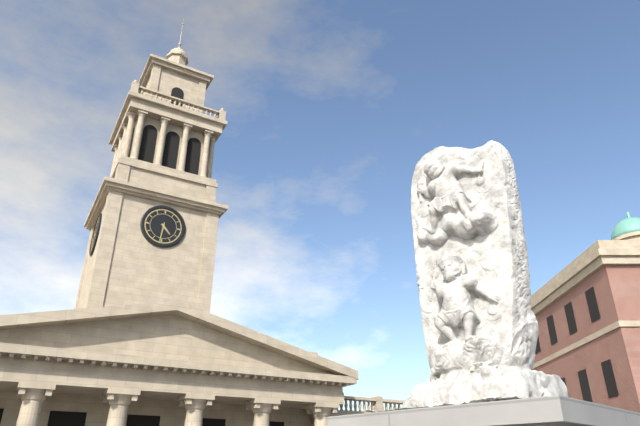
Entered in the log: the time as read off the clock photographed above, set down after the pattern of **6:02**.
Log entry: **4:31**
